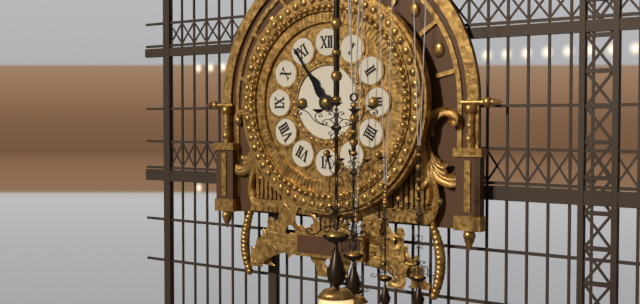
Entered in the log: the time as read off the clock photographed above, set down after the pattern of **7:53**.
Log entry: **10:54**
